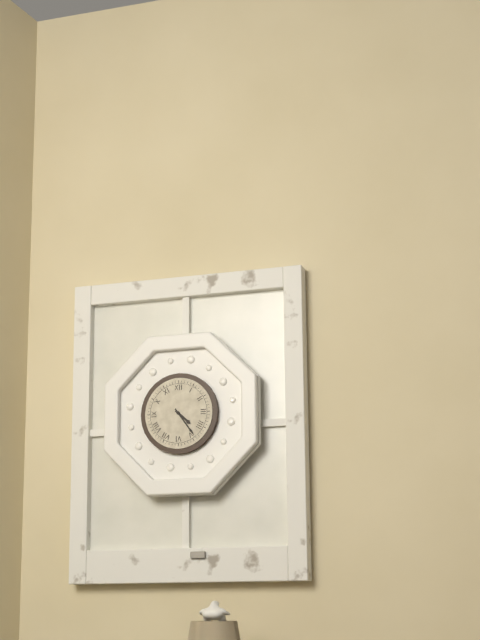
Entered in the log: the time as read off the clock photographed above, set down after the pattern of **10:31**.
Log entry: **4:24**
